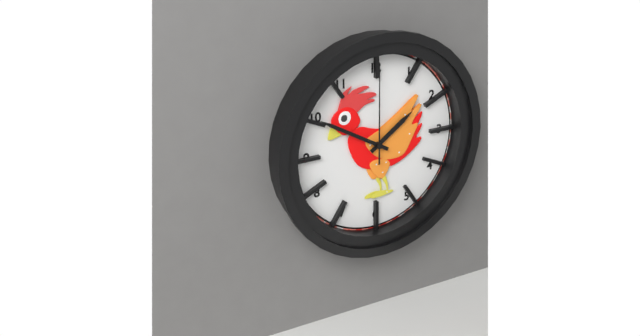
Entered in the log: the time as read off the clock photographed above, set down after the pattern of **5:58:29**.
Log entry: **1:50:00**
